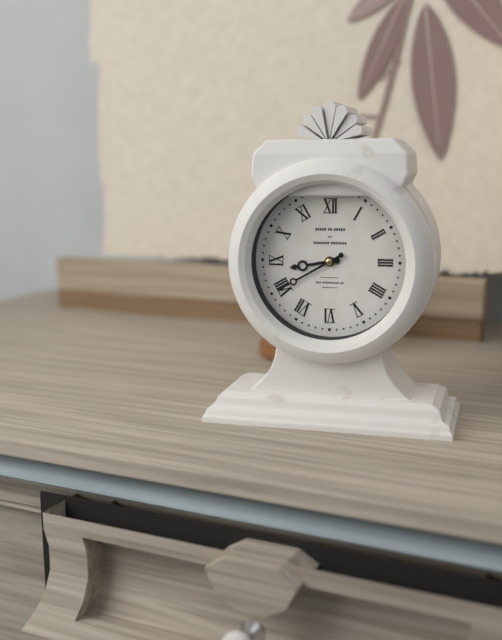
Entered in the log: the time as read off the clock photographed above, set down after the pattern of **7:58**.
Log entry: **8:40**
